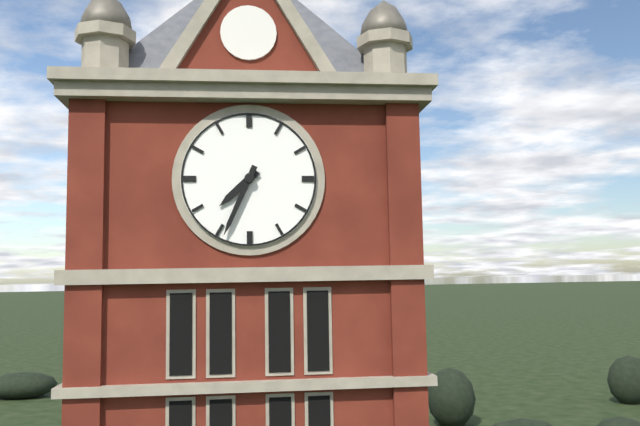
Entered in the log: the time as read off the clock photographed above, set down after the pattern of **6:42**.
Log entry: **7:34**
